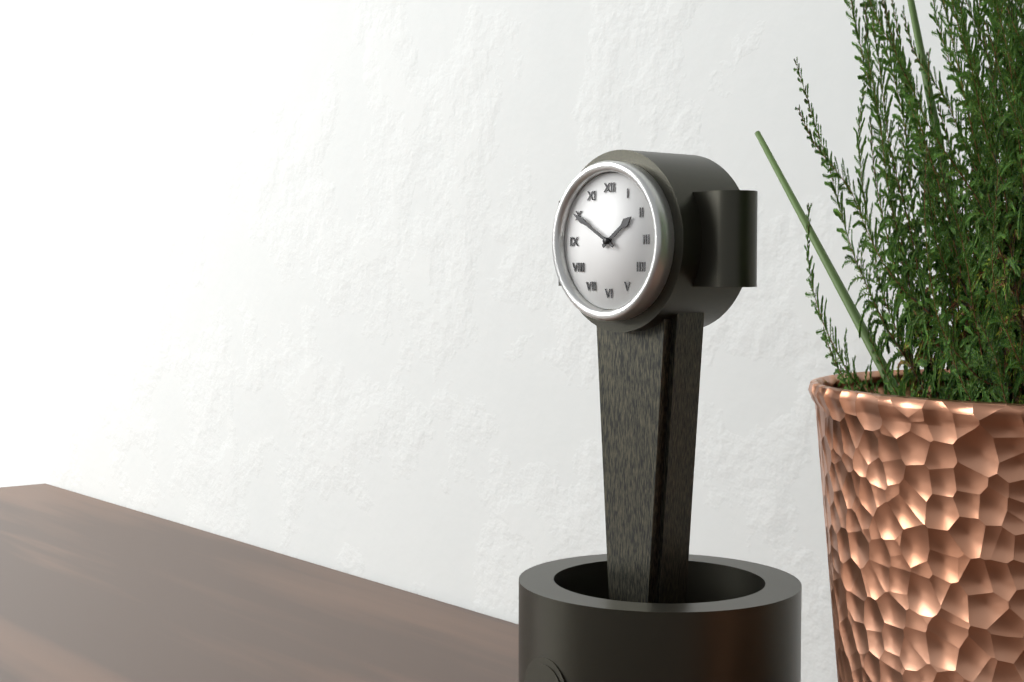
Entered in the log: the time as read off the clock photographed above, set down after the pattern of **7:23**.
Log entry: **1:50**
